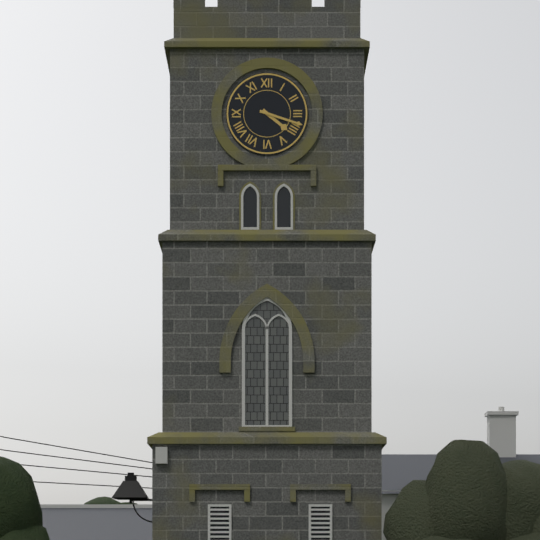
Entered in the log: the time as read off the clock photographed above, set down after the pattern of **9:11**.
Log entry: **4:18**
